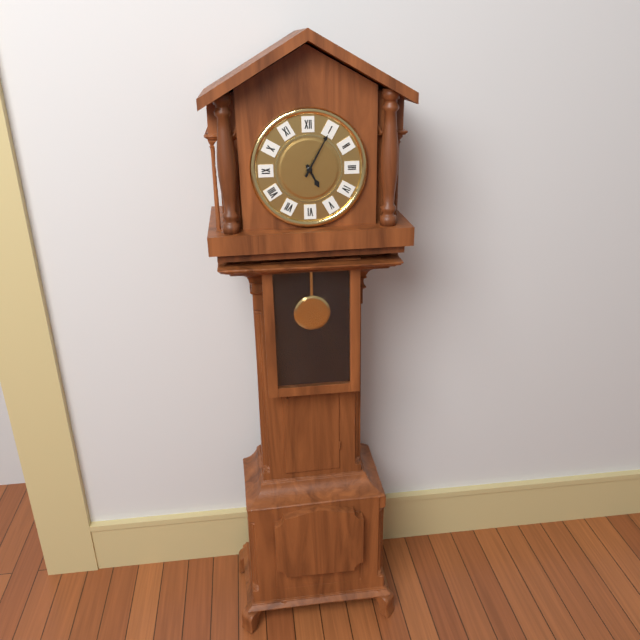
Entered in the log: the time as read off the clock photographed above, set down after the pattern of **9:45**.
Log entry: **5:05**
